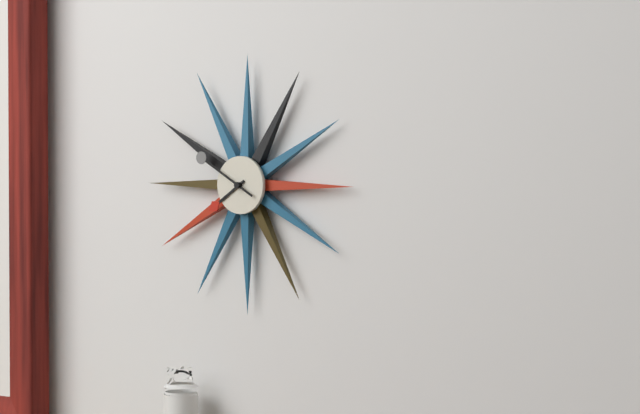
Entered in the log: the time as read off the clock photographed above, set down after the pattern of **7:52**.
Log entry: **7:50**
